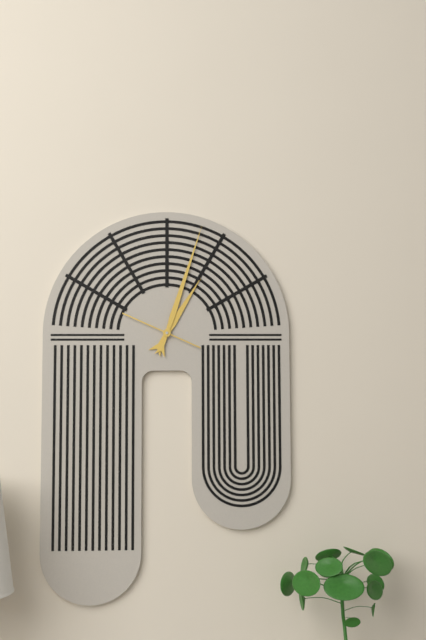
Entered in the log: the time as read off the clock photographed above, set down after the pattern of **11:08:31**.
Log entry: **1:03:49**
